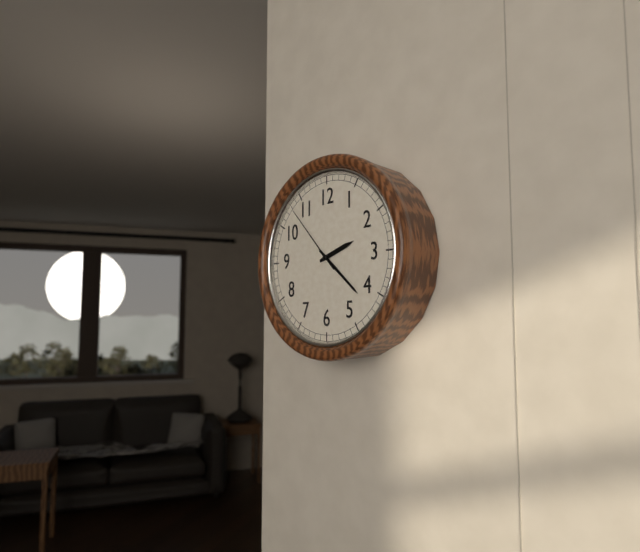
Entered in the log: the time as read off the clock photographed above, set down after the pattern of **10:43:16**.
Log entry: **2:22:53**
